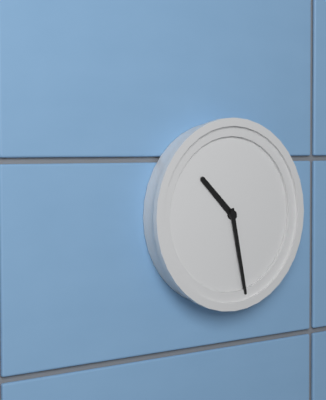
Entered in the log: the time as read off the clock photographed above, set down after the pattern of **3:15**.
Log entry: **10:28**
